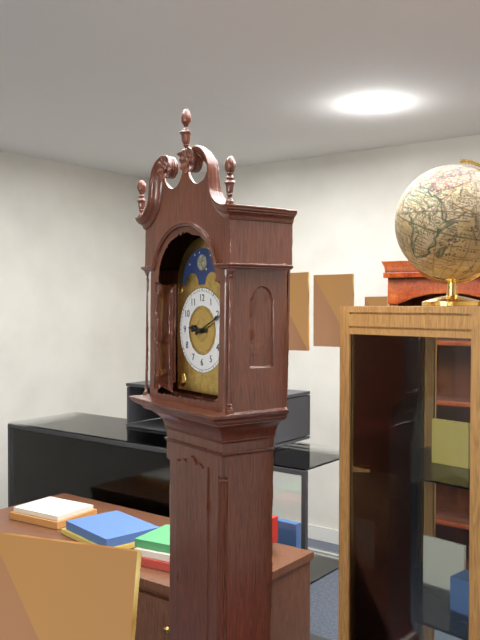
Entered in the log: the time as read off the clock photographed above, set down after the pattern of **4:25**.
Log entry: **9:11**
